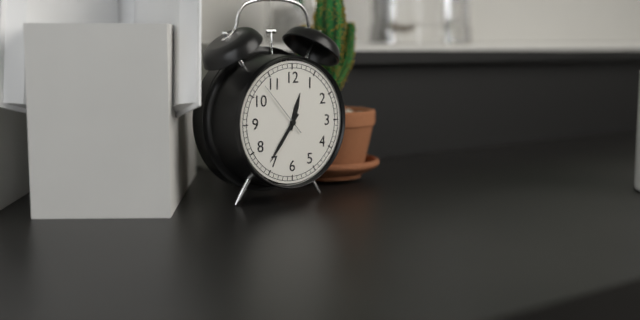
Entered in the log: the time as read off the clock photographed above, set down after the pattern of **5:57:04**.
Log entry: **12:36:53**
